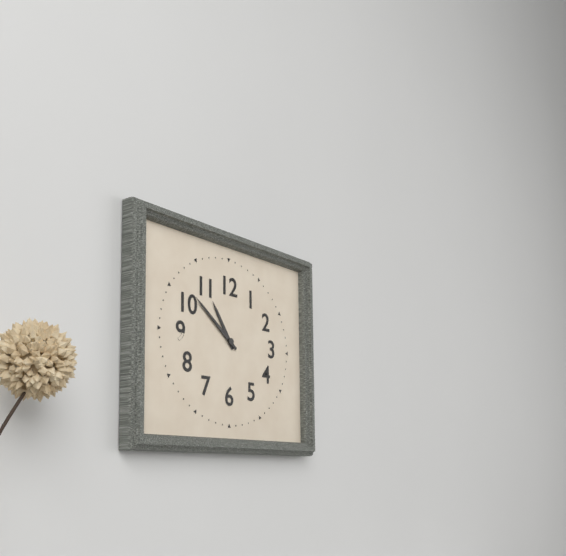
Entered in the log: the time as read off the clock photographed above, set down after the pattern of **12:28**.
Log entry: **10:51**
